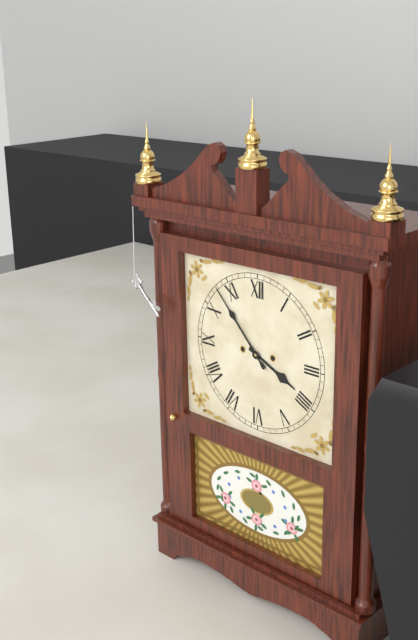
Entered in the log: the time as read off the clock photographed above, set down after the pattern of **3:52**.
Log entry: **3:53**
